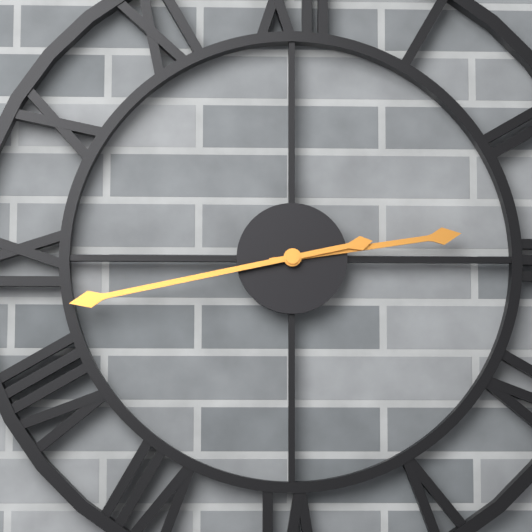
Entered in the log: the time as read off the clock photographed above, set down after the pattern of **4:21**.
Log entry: **2:43**
